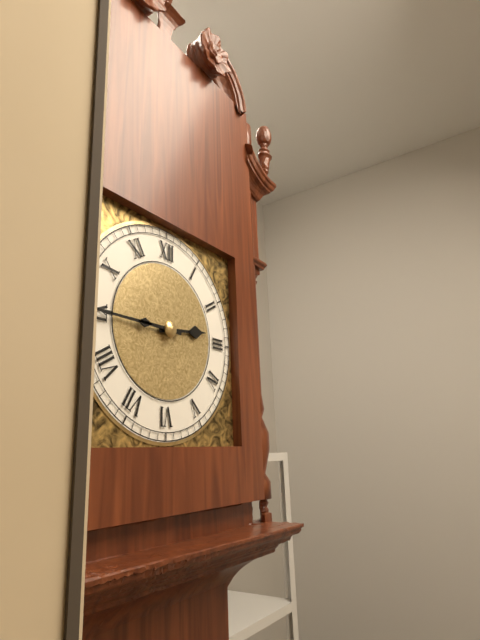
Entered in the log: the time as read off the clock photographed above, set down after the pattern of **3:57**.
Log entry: **2:45**
